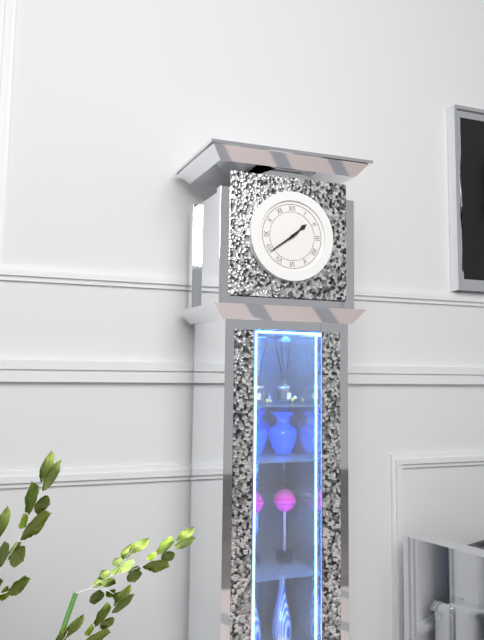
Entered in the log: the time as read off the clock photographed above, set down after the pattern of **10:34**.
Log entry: **1:39**
